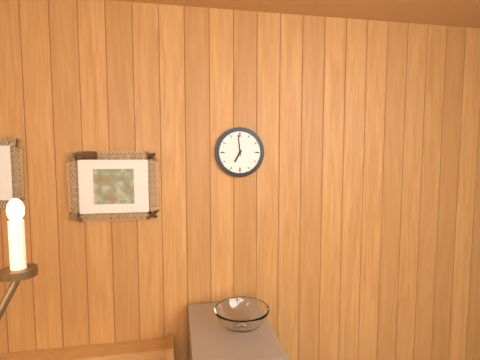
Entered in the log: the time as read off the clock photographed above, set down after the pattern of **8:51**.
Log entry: **6:59**
